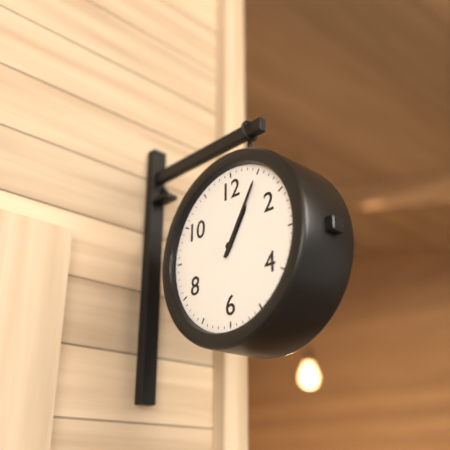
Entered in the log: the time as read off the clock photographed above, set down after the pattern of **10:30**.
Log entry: **1:05**
